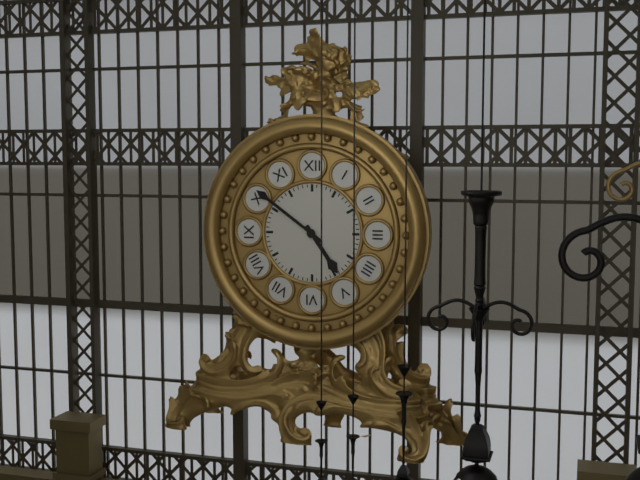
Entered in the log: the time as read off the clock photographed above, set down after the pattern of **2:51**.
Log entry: **4:51**
